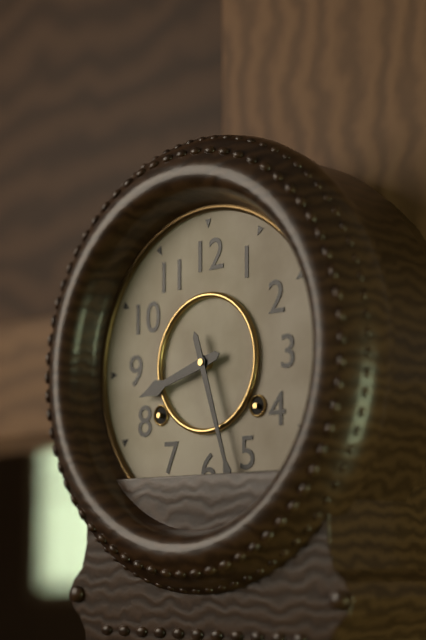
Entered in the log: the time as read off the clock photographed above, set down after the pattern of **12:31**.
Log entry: **8:27**
